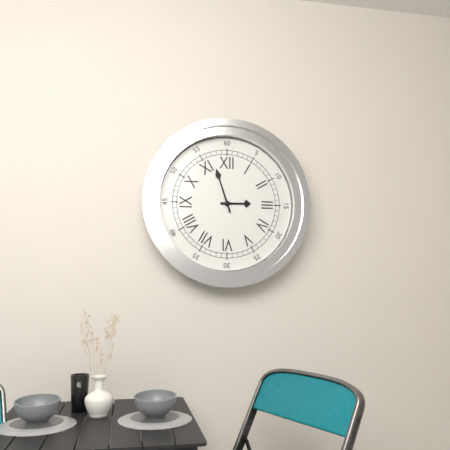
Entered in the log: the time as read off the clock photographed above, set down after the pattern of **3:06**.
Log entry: **2:57**
